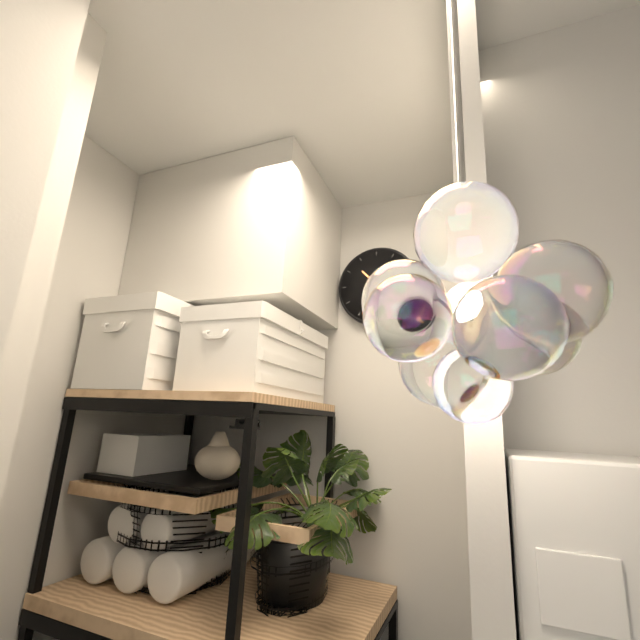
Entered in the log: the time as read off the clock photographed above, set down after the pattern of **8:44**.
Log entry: **10:34**
